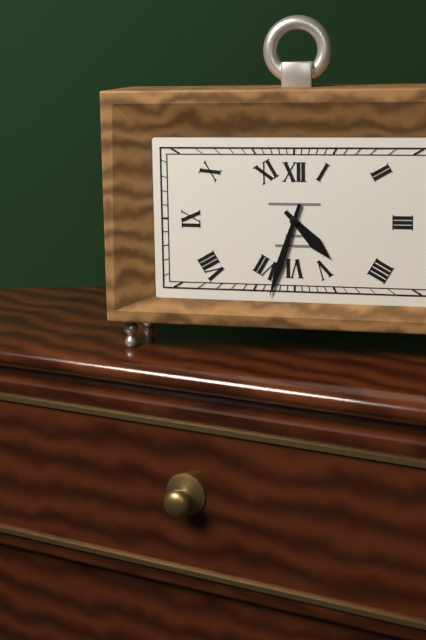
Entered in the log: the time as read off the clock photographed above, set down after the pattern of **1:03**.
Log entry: **4:33**
